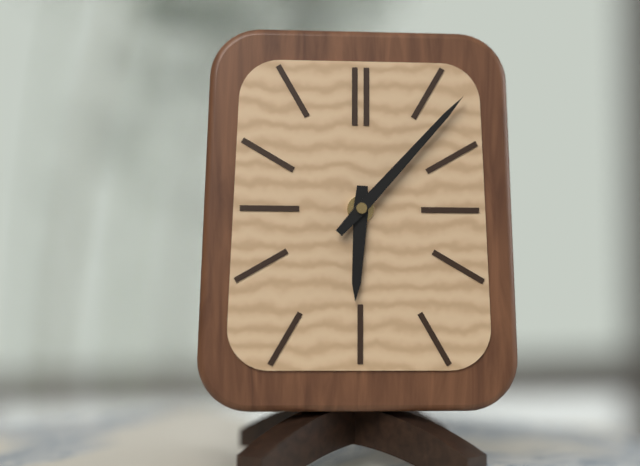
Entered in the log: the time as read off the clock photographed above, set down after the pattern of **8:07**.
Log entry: **6:07**
